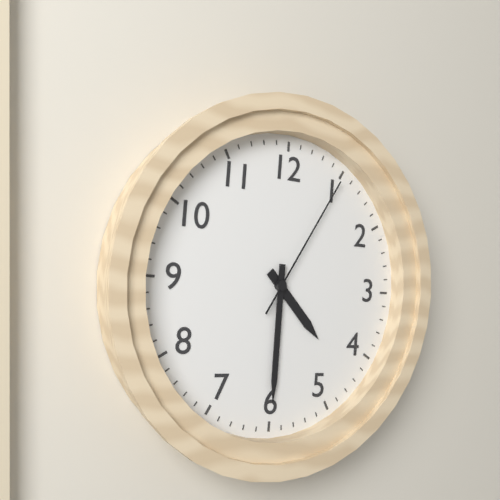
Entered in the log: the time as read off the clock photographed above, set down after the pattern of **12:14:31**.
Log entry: **4:30:05**
